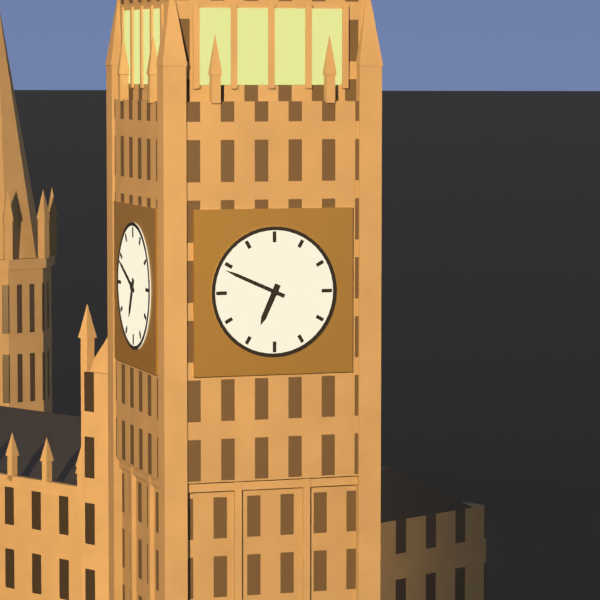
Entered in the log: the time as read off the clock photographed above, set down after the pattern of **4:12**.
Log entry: **6:49**
